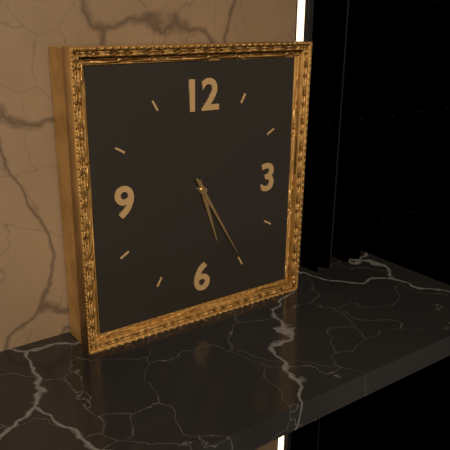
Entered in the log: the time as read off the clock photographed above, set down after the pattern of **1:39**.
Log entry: **5:25**
